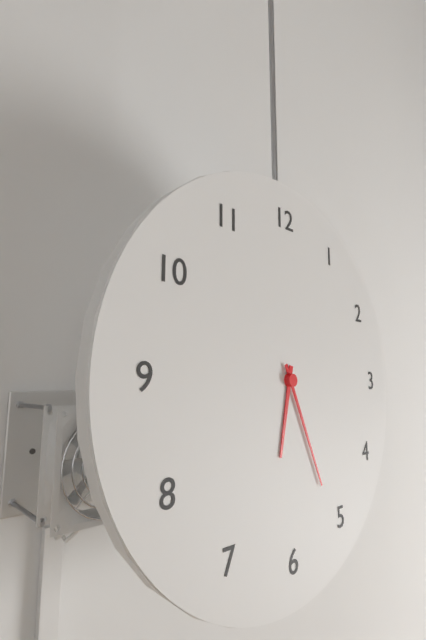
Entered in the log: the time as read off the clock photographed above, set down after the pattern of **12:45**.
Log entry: **6:26**
